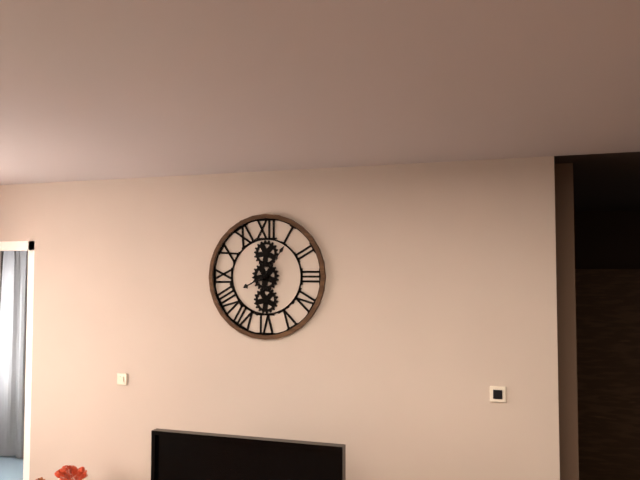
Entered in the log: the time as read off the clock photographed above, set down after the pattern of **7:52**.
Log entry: **8:06**
